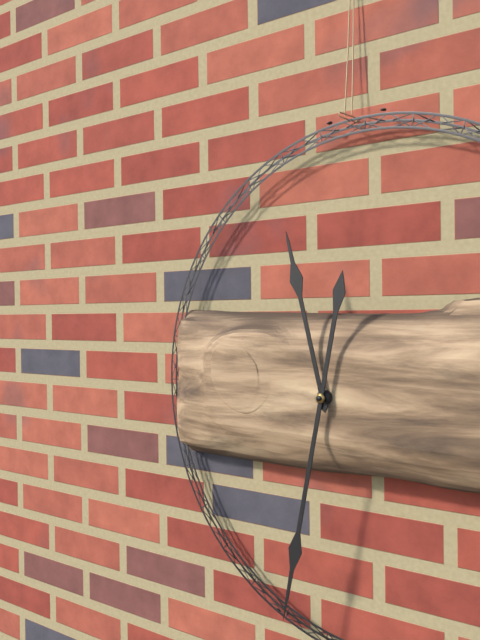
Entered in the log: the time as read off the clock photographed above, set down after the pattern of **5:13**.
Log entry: **11:32**
